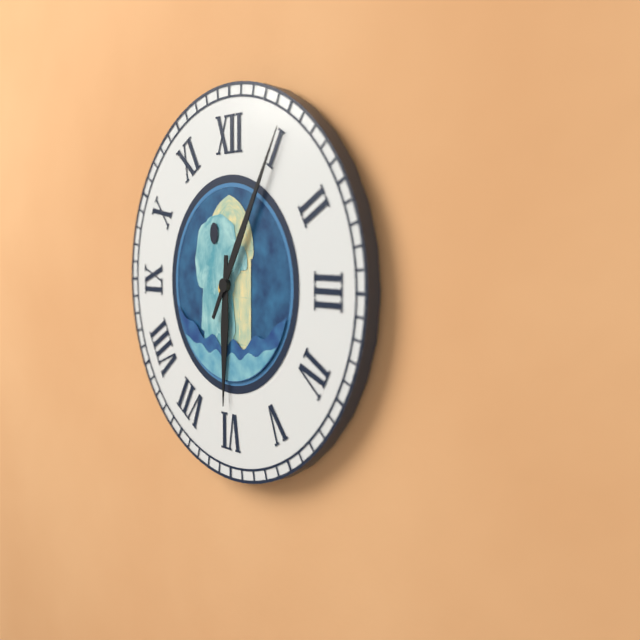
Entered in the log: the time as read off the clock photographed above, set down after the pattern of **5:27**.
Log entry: **6:05**
